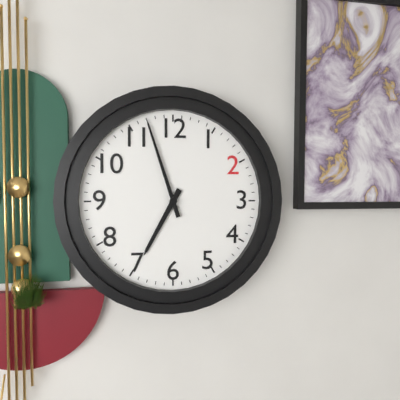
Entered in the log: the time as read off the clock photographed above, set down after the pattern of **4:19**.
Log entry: **6:57**
